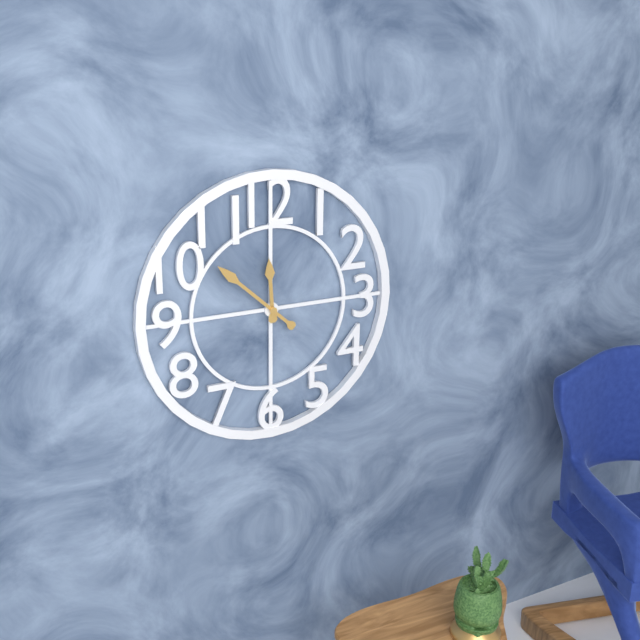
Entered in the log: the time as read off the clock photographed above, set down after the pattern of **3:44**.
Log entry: **11:52**
